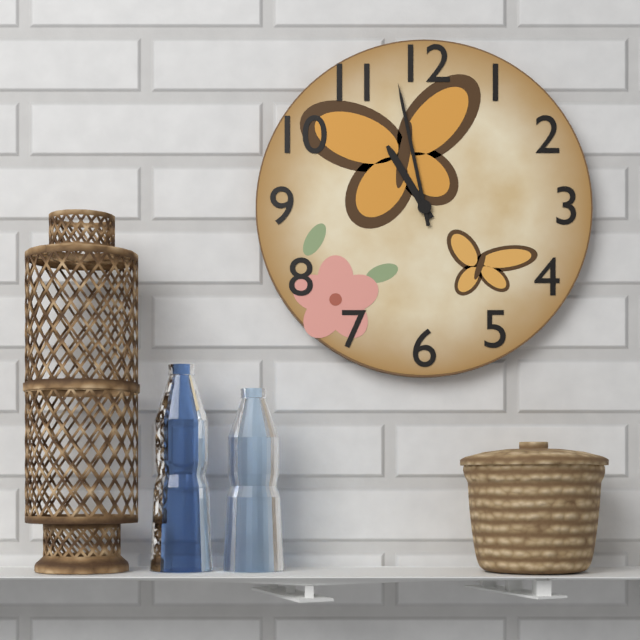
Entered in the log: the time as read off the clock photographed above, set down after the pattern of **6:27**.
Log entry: **10:58**
